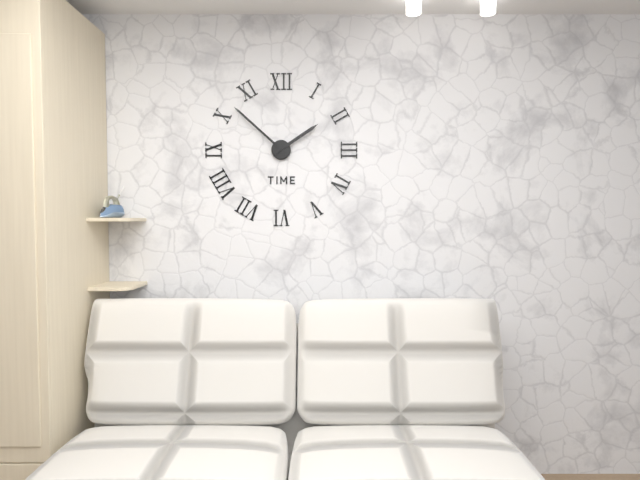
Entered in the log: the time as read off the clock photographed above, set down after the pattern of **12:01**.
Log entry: **1:52**
